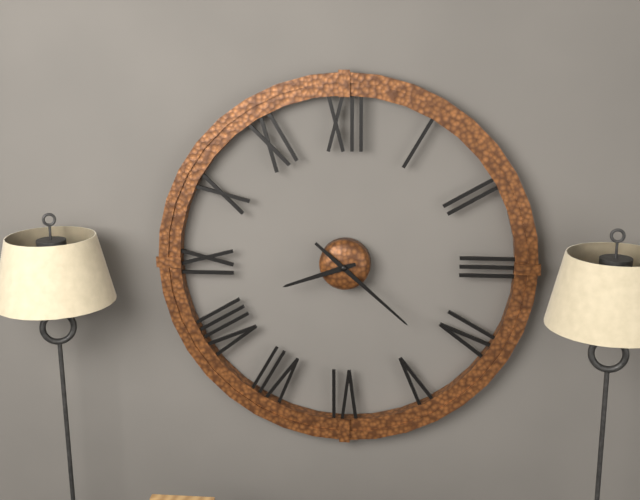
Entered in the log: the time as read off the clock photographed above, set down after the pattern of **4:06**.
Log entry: **8:22**
